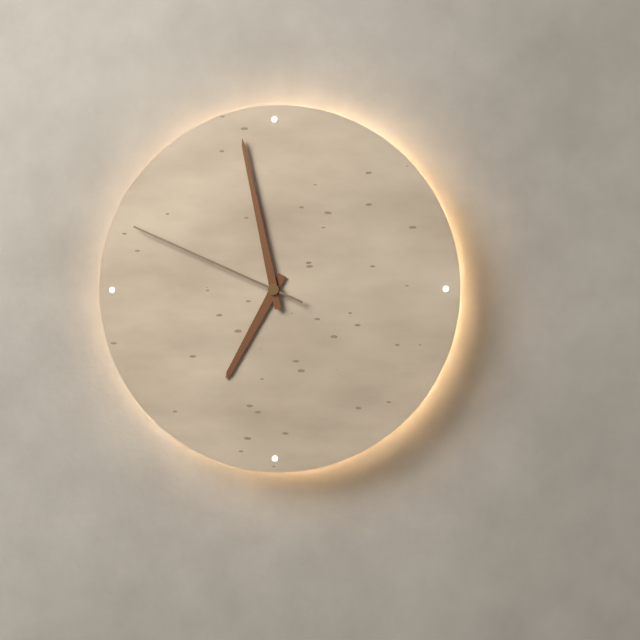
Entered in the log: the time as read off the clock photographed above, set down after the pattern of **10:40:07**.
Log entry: **6:58:49**
